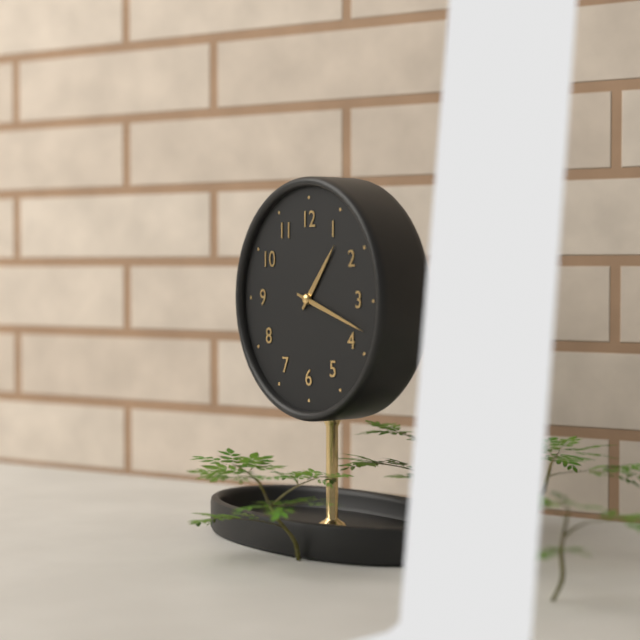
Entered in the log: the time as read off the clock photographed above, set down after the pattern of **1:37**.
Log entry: **1:18**
